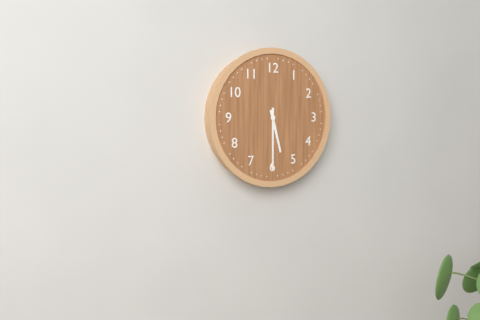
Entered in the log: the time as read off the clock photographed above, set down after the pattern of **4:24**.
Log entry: **5:30**
